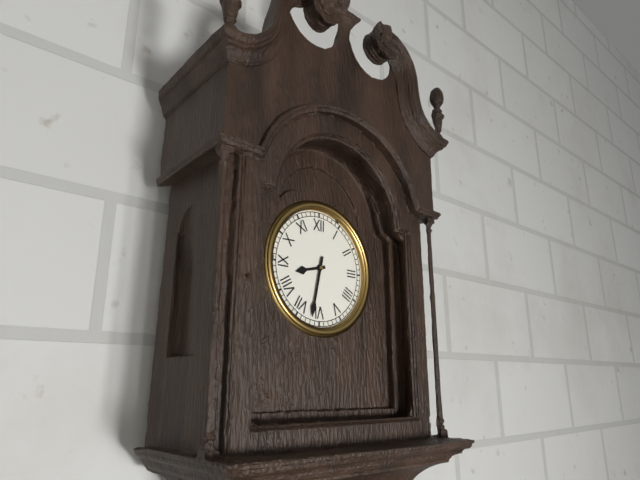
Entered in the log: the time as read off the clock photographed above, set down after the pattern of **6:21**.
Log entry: **8:32**
